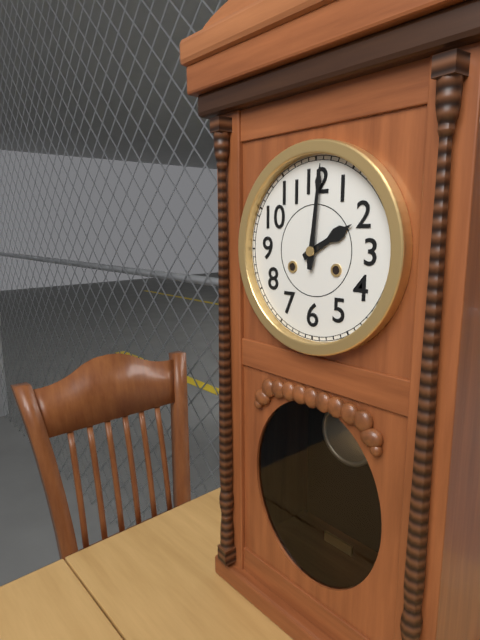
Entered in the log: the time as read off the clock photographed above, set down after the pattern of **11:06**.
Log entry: **2:01**
